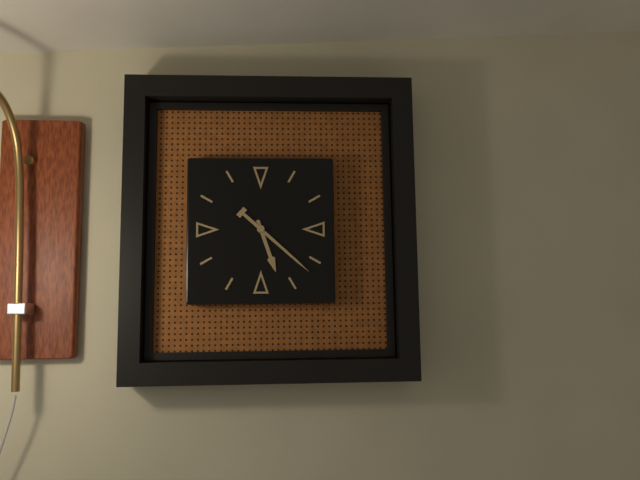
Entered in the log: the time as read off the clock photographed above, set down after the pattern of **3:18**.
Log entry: **5:22**
